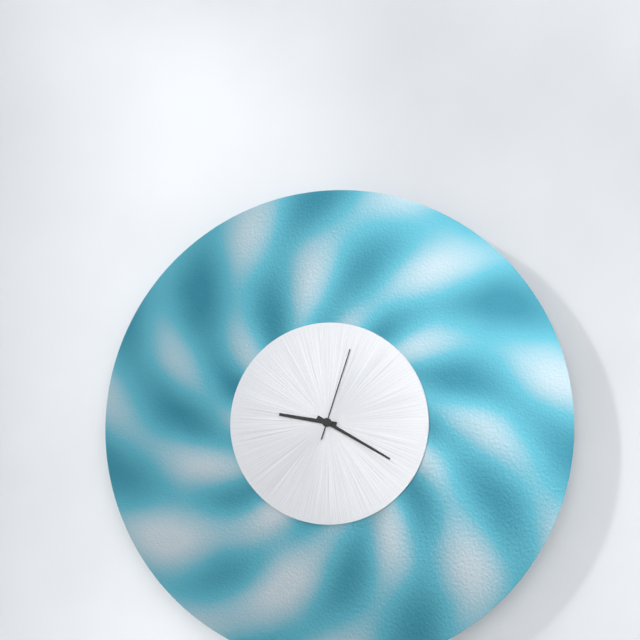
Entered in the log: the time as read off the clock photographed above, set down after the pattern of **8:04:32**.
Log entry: **9:20:03**
